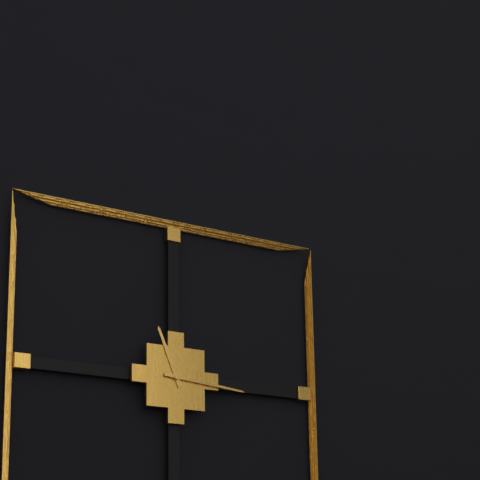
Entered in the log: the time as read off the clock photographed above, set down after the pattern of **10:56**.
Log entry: **11:16**
